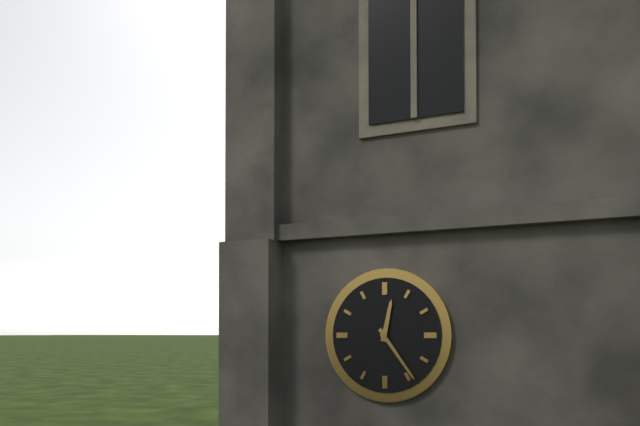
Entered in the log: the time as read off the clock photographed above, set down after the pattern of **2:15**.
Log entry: **12:24**
